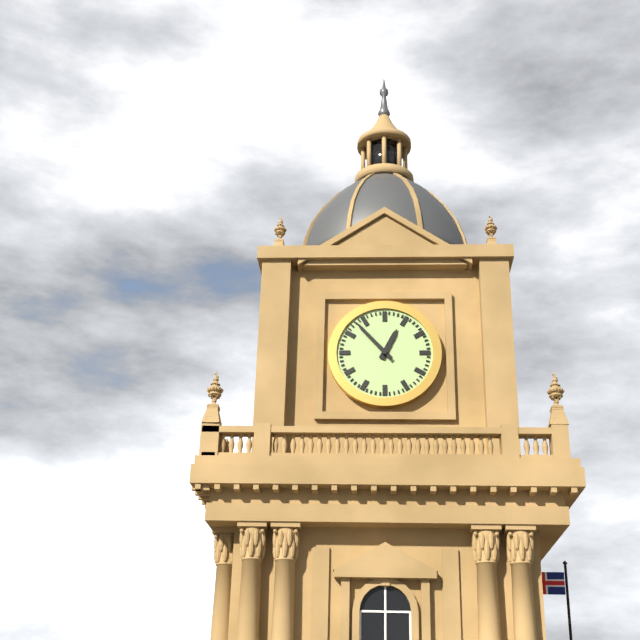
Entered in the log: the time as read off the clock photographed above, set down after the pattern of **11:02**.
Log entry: **12:53**
